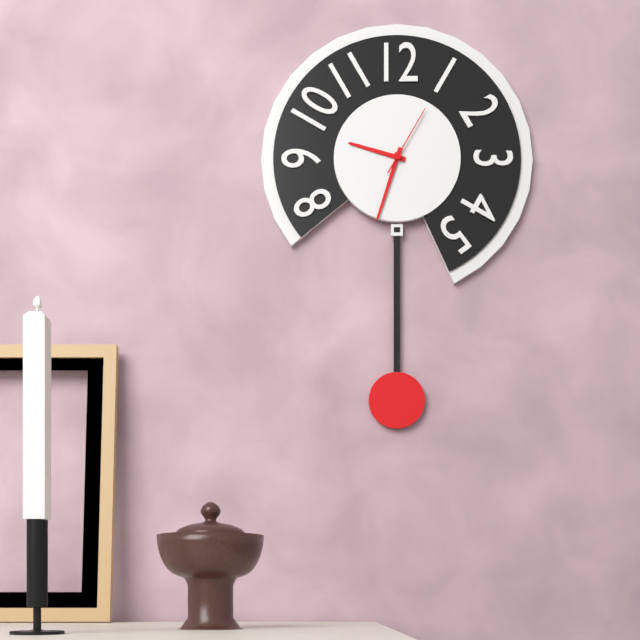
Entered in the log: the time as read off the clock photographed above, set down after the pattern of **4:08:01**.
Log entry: **9:33:05**
